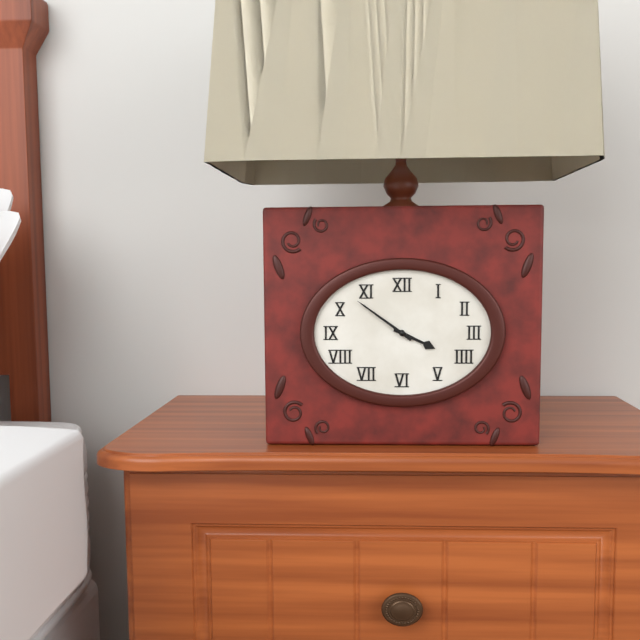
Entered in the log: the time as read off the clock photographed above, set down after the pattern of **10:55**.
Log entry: **3:51**
